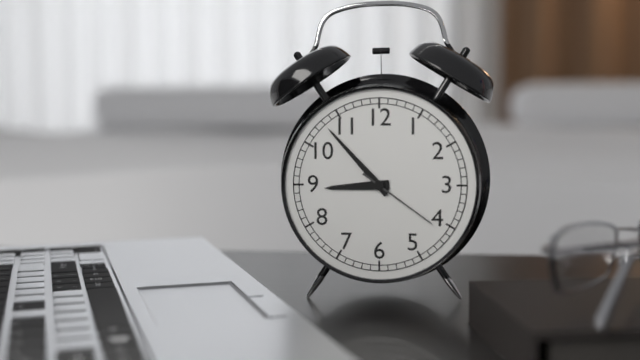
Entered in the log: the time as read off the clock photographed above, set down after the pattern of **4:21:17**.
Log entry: **8:53:21**
